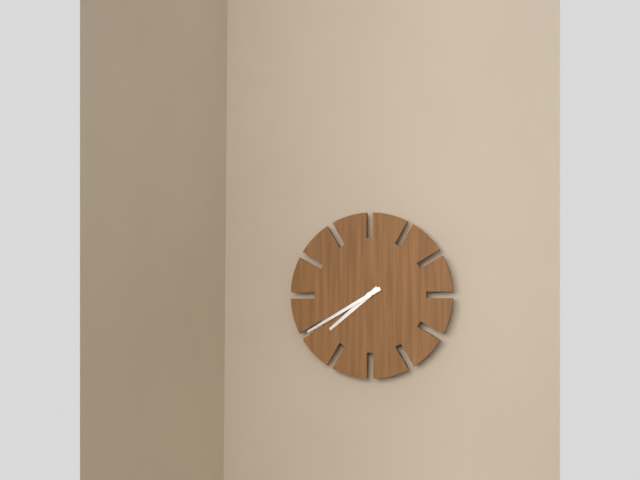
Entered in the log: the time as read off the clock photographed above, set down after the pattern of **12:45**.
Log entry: **7:40**
